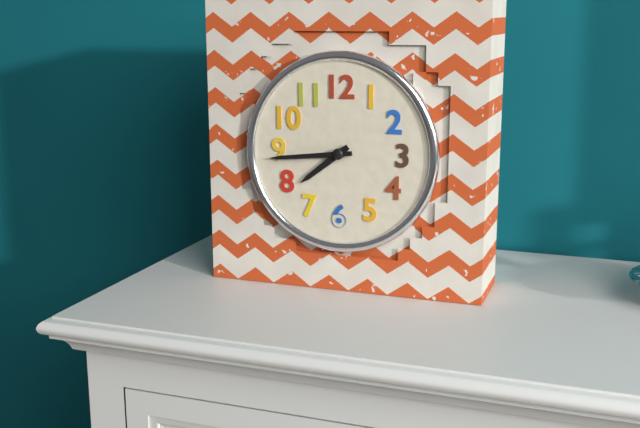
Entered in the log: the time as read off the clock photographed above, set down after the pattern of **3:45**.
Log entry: **7:44**
